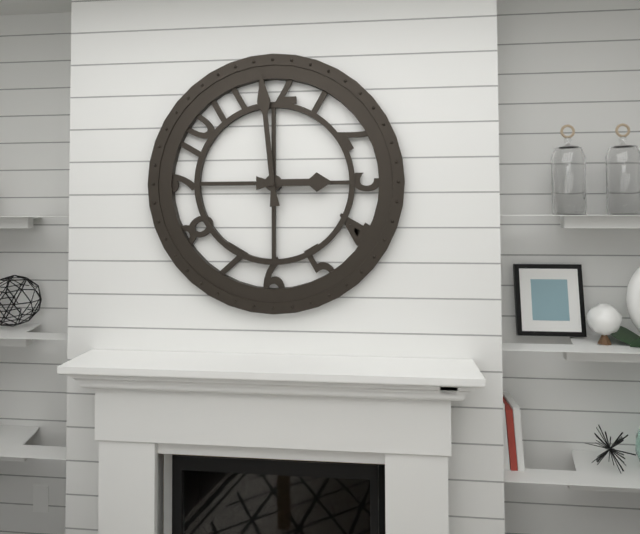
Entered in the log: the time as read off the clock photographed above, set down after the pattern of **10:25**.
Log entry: **2:59**
